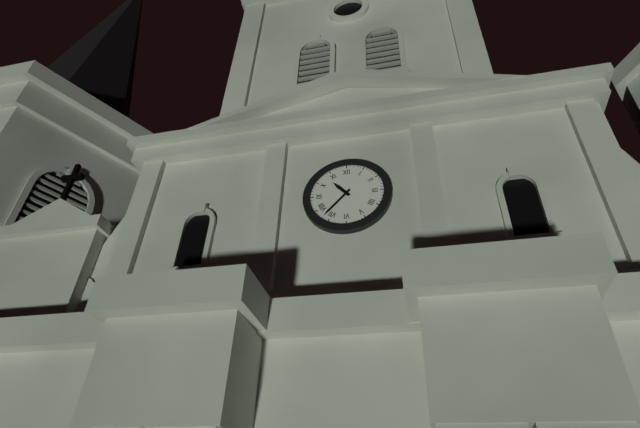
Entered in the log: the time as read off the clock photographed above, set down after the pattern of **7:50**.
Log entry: **10:37**
